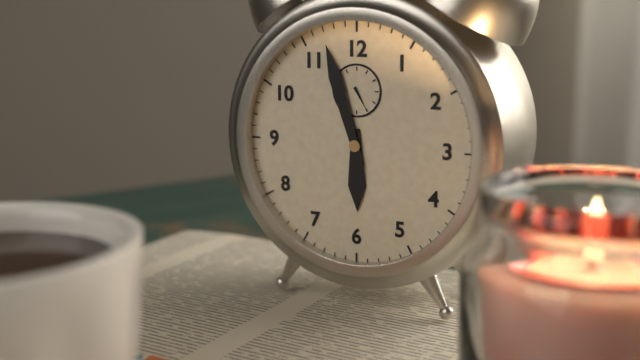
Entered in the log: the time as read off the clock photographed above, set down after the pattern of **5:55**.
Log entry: **5:57**
